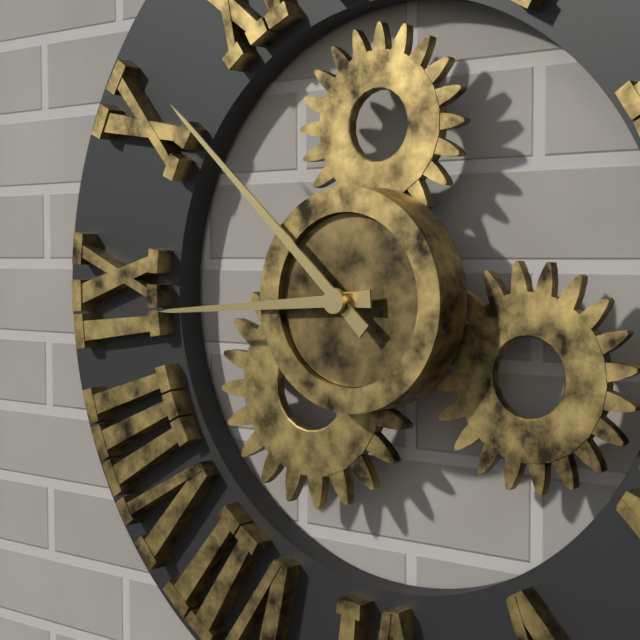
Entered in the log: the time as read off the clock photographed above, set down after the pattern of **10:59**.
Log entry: **8:52**
